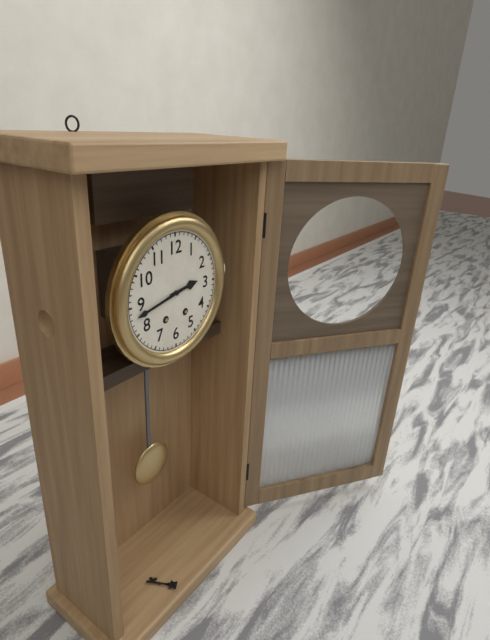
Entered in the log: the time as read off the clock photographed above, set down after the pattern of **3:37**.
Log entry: **2:43**
